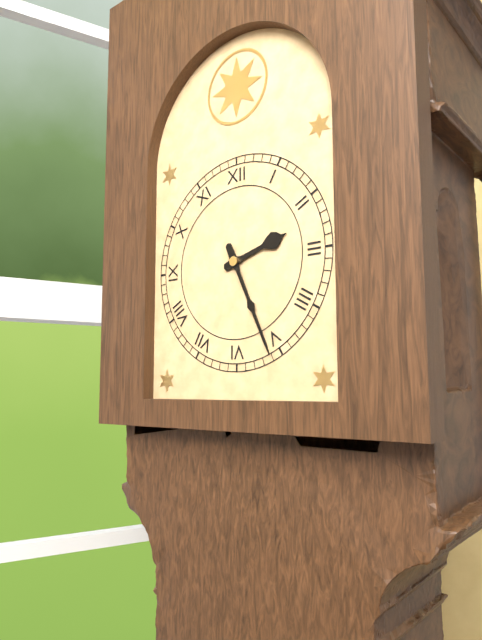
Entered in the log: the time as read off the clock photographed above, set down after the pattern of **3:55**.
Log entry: **2:26**
